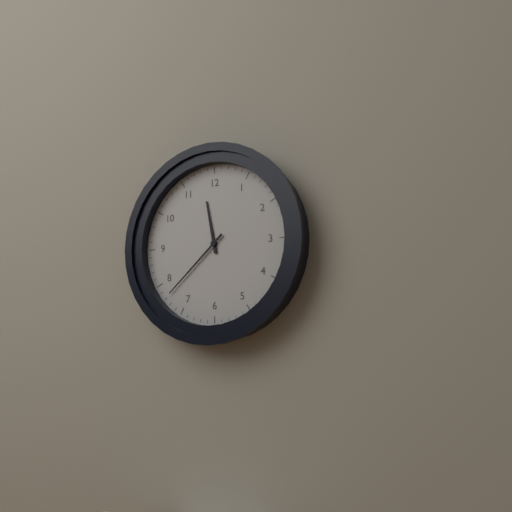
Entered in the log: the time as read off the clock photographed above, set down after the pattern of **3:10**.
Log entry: **11:38**
